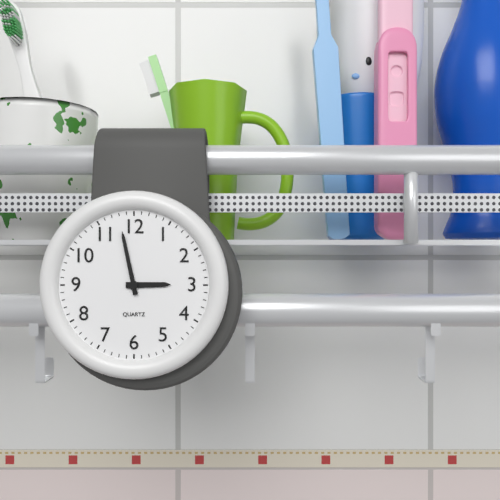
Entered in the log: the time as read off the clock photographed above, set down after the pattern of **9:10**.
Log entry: **2:58**
